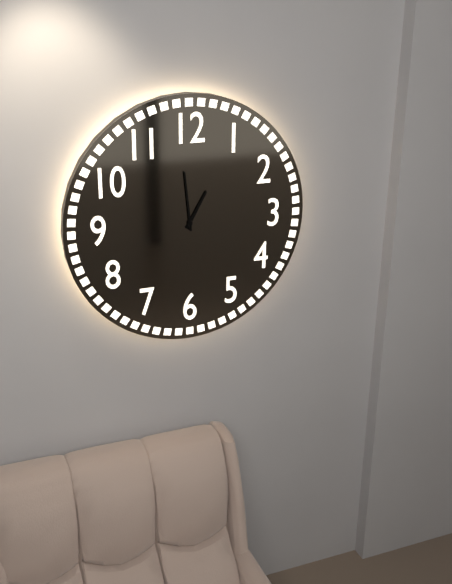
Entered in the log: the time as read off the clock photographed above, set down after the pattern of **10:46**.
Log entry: **12:59**
